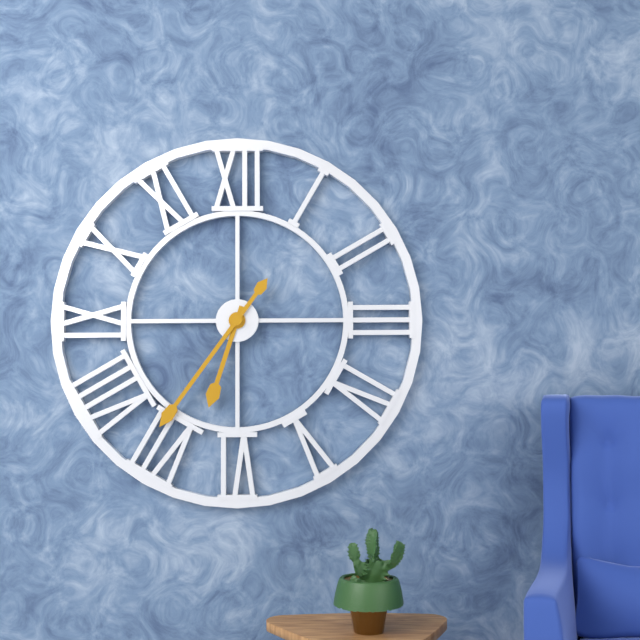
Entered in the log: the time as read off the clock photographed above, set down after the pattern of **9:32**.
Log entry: **6:36**
